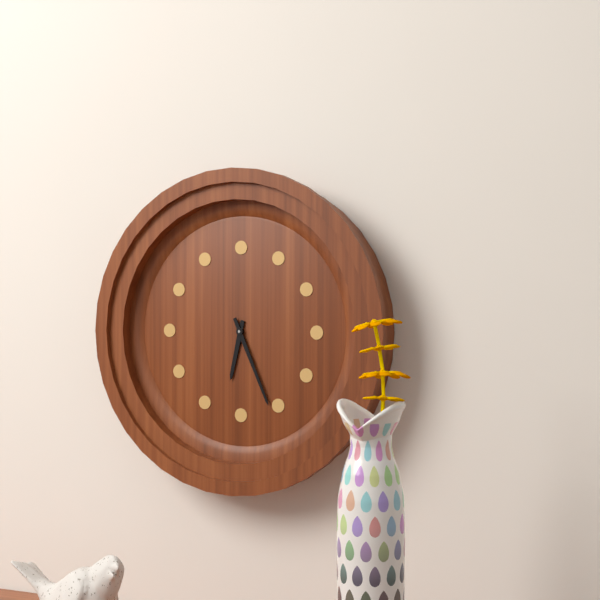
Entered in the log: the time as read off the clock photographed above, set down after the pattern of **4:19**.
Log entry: **6:26**
